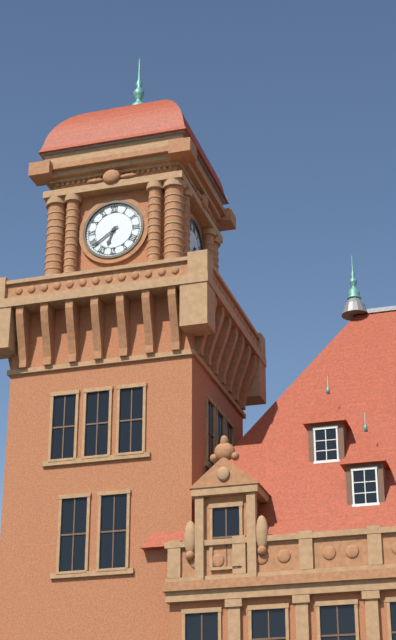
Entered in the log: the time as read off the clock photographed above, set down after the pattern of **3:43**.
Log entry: **6:39**
